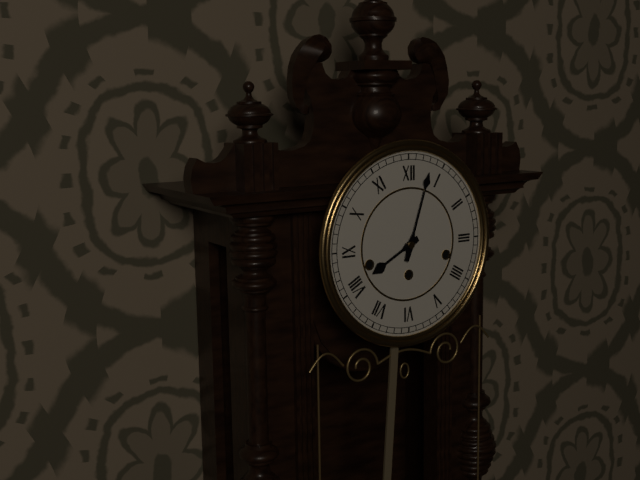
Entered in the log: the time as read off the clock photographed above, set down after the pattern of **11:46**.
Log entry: **8:03**
